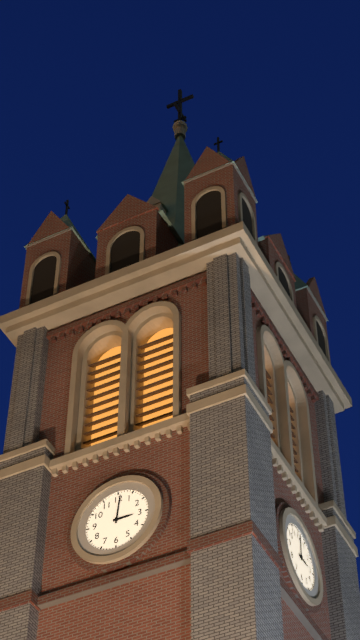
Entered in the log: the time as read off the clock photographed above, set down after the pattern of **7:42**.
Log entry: **3:01**
